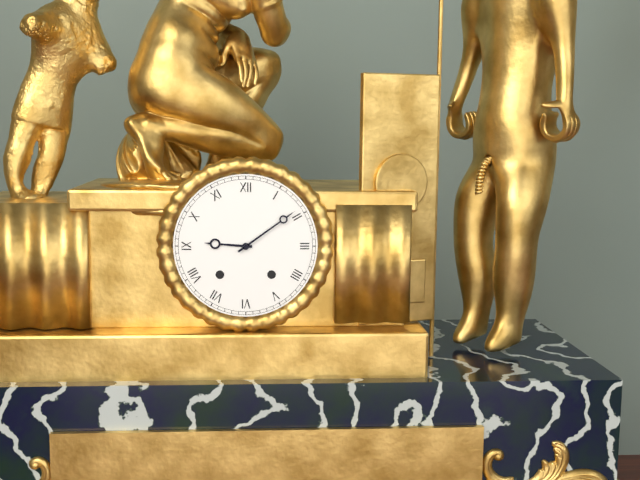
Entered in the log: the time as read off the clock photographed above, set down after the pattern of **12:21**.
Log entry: **9:09**
